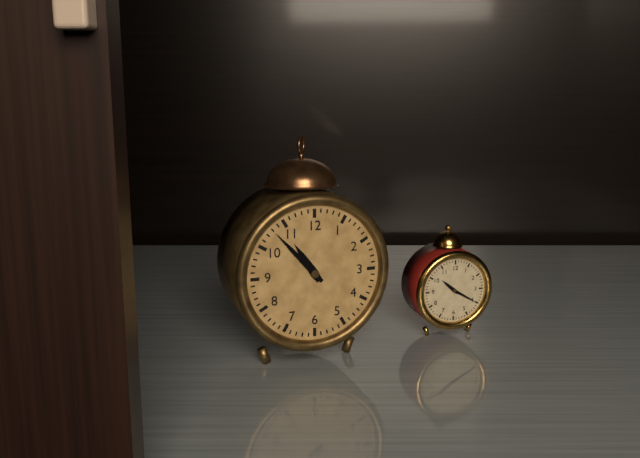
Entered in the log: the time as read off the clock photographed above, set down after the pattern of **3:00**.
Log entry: **10:53**
